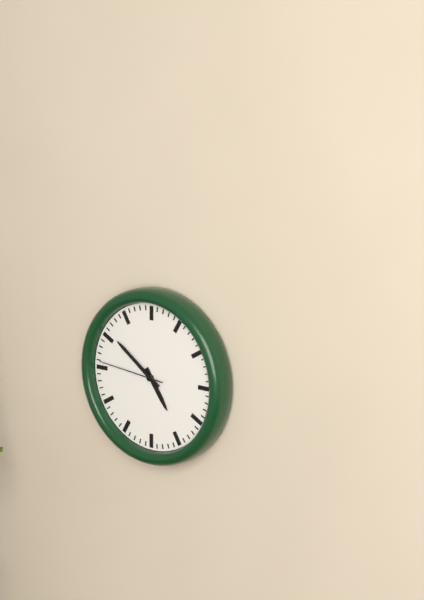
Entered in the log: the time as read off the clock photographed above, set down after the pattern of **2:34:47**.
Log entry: **4:51:46**
